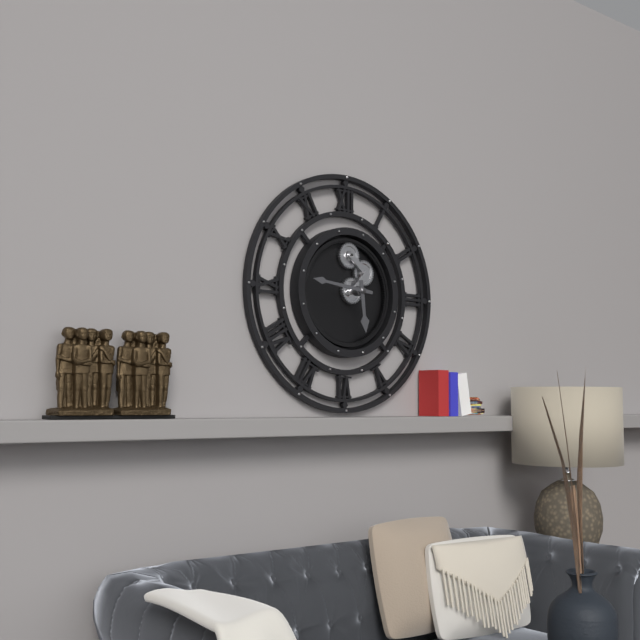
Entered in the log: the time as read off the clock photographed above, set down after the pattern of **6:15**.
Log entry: **5:46**
